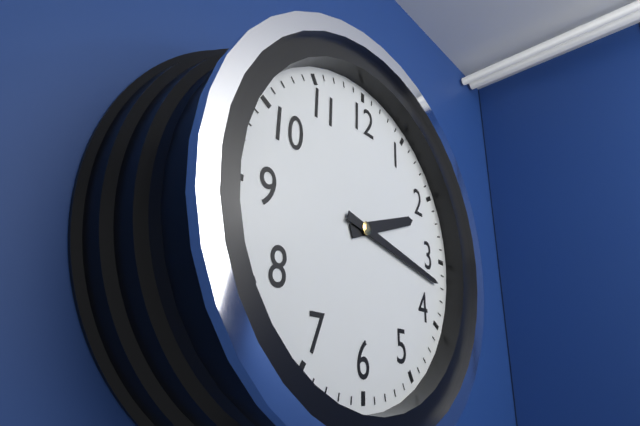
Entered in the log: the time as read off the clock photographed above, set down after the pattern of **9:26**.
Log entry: **2:17**
